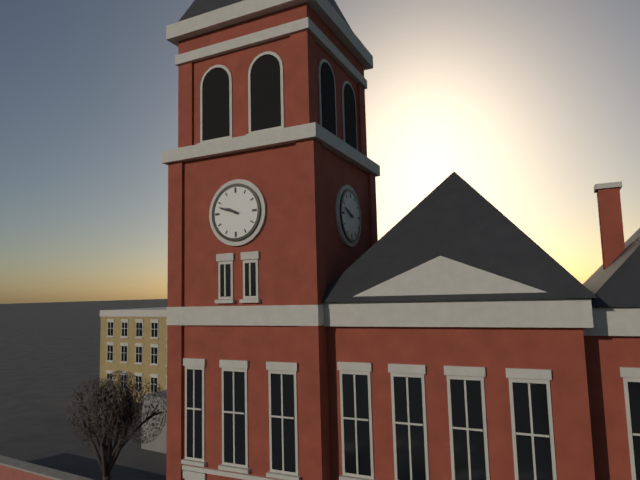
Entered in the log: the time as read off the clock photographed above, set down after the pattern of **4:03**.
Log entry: **9:48**
